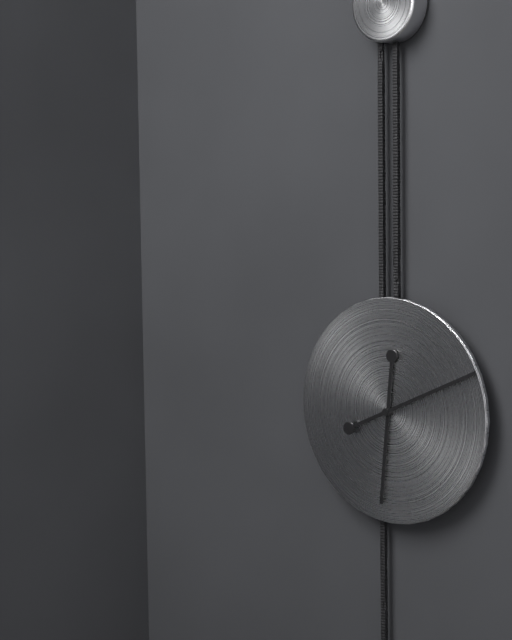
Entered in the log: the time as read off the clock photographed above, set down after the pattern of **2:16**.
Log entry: **6:11**
